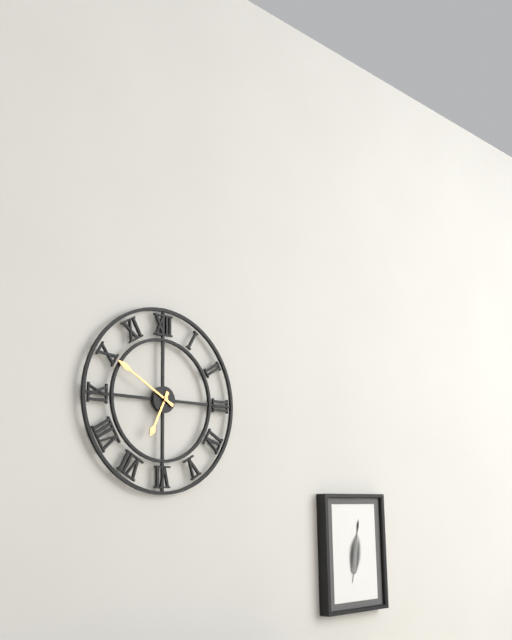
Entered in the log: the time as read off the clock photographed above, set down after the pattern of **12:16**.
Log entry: **6:50**
